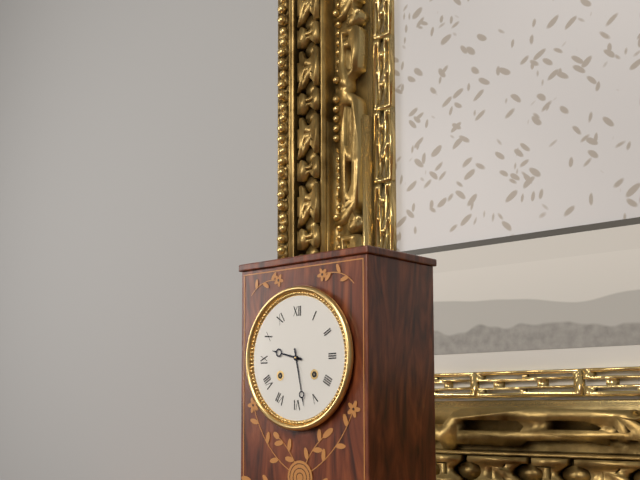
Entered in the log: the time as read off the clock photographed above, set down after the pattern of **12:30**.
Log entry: **9:28**
